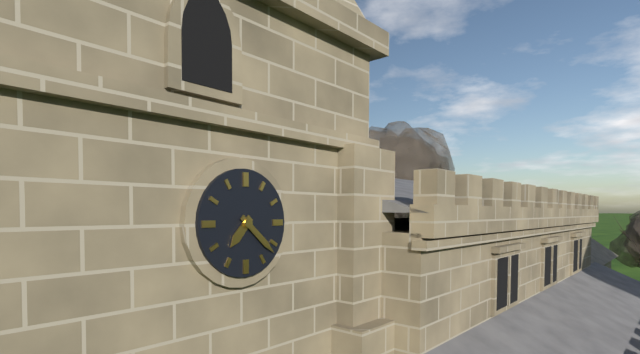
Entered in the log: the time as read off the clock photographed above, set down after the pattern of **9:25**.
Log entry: **7:22**
